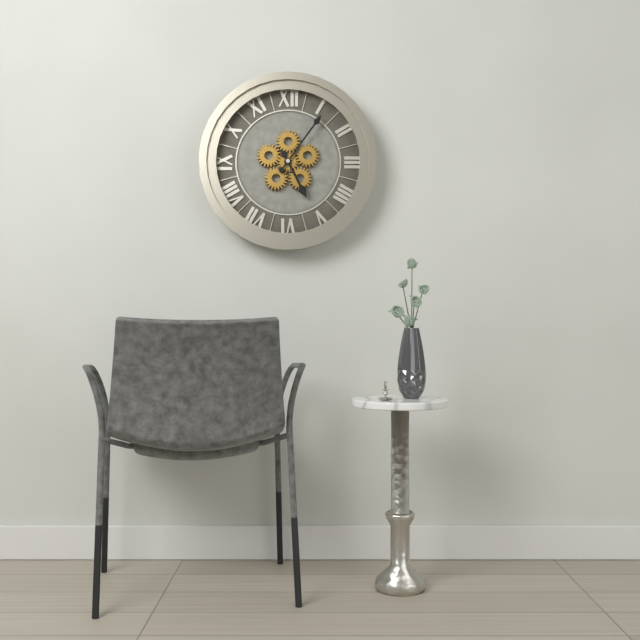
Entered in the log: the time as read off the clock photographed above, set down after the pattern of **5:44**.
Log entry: **5:06**
